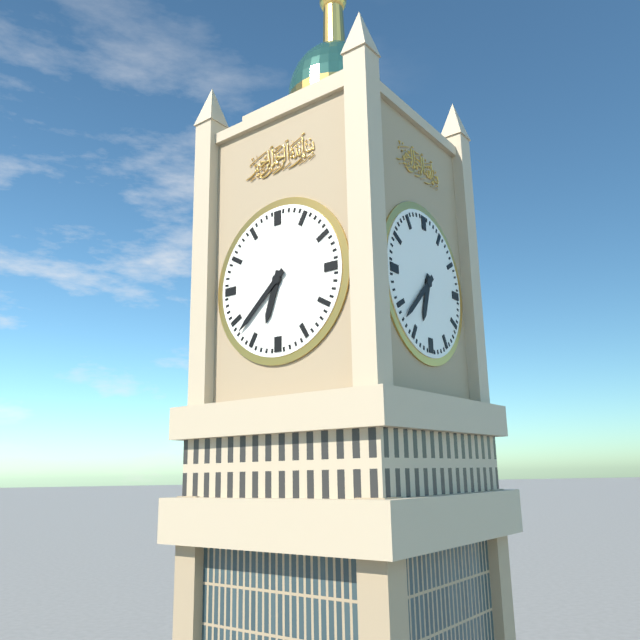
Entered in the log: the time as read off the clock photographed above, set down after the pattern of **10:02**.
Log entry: **6:38**
